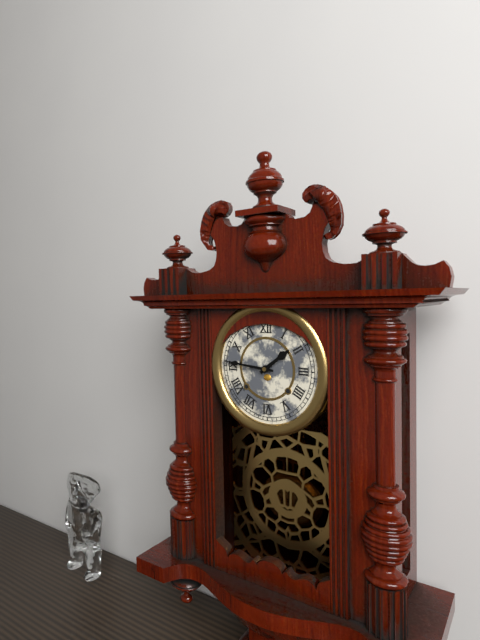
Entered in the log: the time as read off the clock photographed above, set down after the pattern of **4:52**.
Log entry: **1:46**
